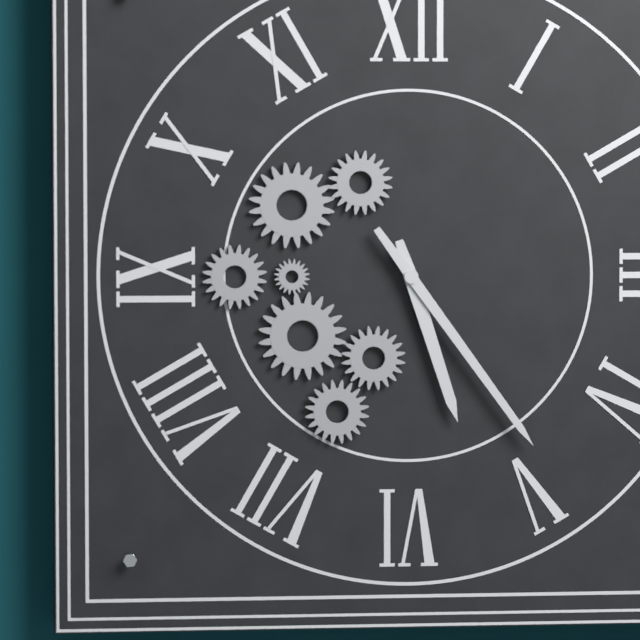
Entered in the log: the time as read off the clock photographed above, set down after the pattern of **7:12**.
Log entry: **5:24**
